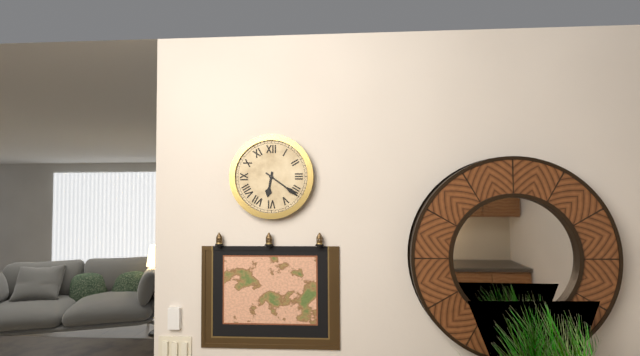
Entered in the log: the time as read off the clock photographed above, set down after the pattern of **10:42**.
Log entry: **6:21**
